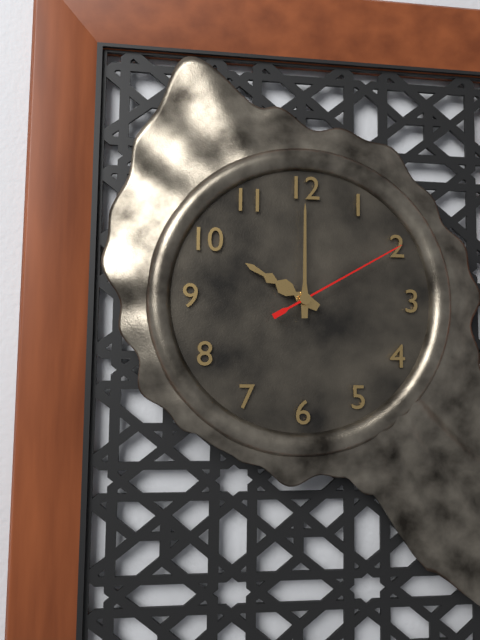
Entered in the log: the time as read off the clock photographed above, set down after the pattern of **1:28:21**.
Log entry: **10:00:10**
